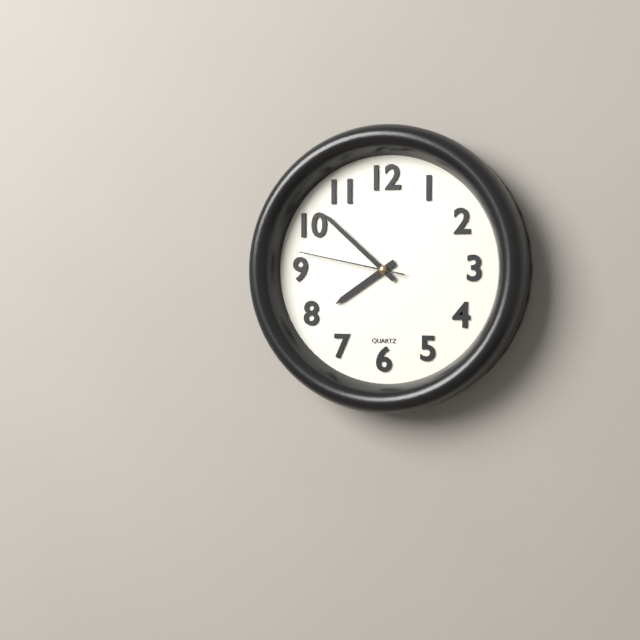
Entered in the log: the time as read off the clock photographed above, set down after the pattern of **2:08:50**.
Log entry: **7:52:47**
